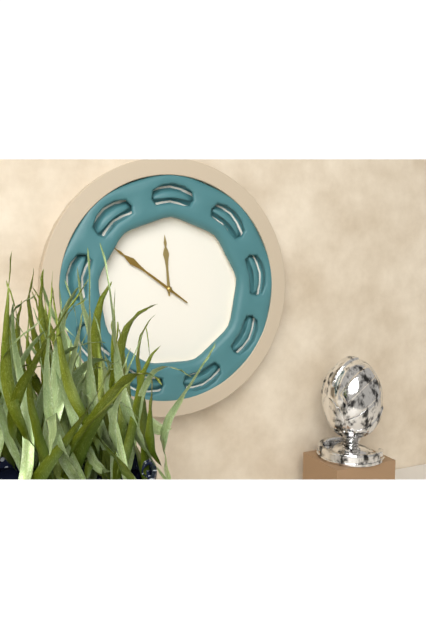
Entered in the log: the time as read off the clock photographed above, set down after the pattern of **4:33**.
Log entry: **11:51**
